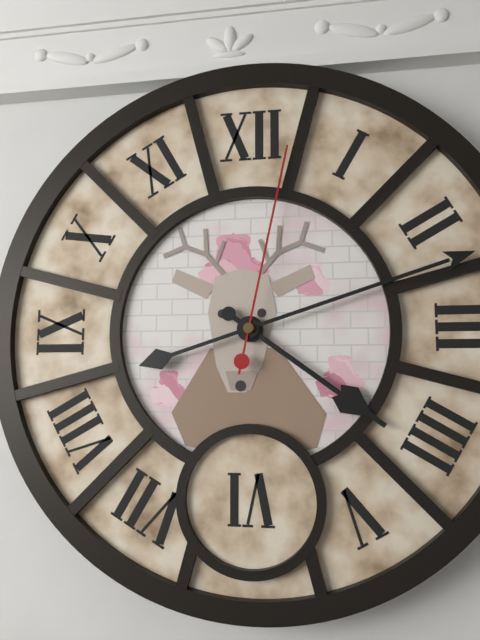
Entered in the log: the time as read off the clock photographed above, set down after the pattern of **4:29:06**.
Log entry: **4:12:02**
